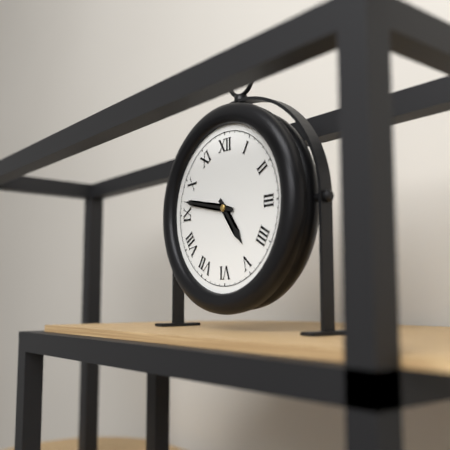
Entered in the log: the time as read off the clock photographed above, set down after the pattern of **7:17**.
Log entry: **4:47**
